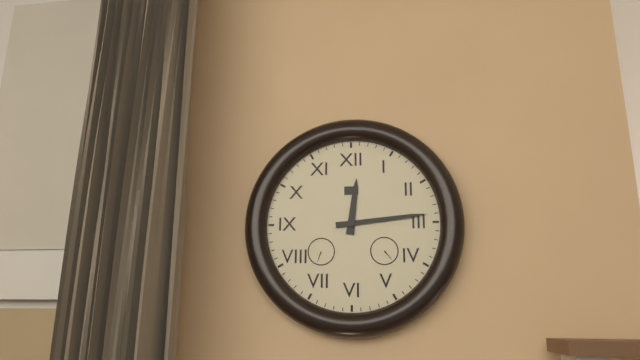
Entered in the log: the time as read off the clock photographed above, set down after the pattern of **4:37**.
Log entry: **12:14**
